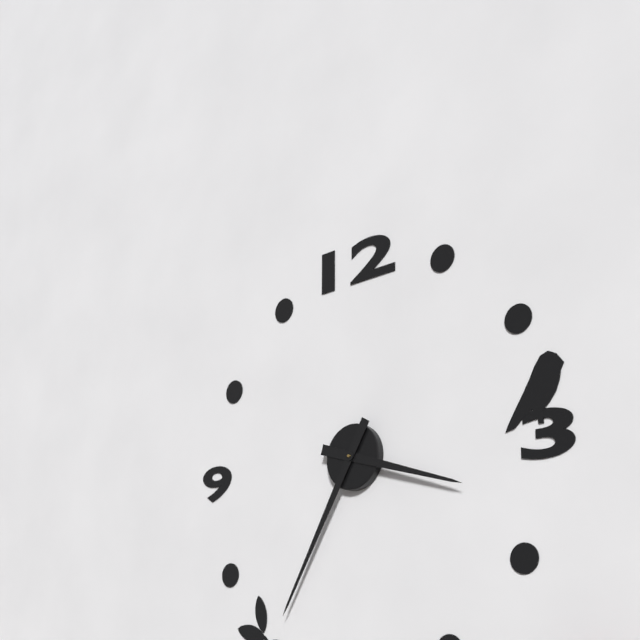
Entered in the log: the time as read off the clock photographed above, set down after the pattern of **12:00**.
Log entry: **3:35**
